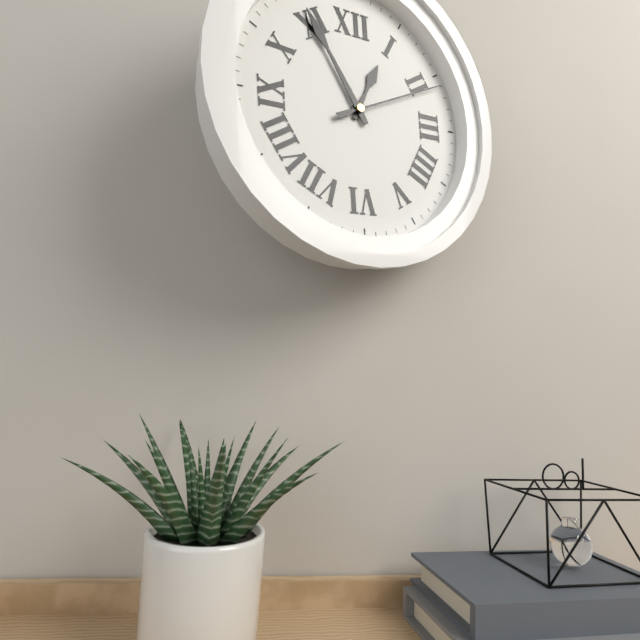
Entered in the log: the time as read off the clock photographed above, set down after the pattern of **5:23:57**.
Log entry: **12:55:11**
